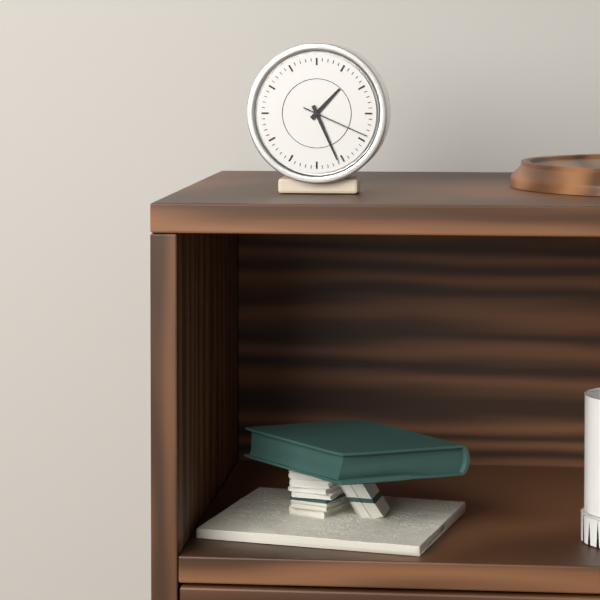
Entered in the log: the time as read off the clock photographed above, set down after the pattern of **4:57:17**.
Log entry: **1:26:19**
